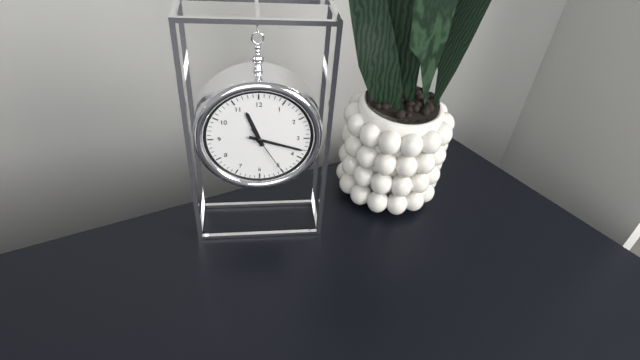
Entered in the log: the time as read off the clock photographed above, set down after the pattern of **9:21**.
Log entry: **11:18**
